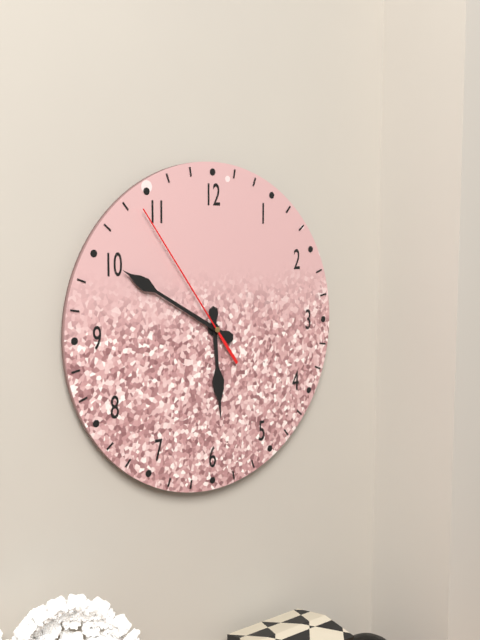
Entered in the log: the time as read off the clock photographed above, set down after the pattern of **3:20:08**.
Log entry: **5:50:54**
